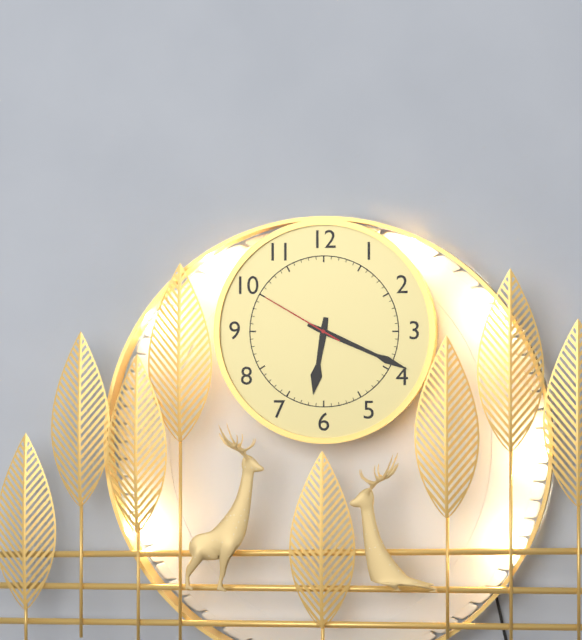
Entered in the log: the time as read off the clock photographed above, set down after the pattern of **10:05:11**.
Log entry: **6:19:50**
